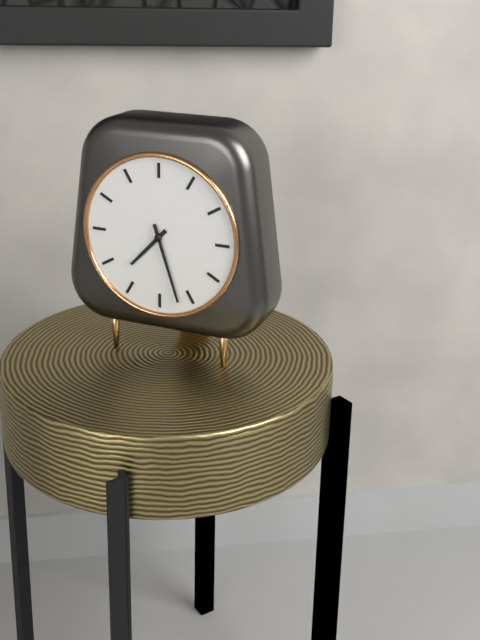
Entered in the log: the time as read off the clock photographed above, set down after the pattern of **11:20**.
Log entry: **7:27**
